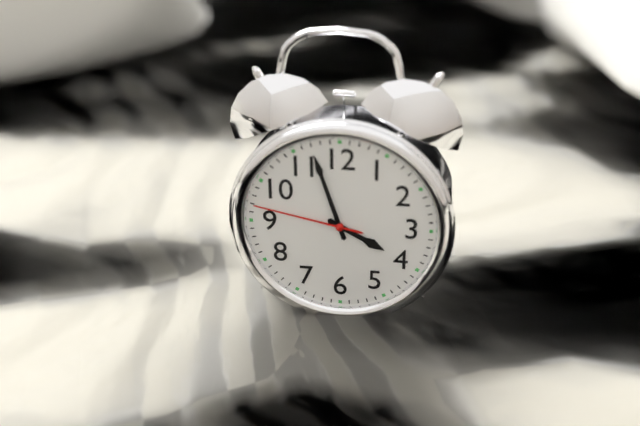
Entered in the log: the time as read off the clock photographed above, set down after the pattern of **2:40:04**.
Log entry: **3:57:47**
